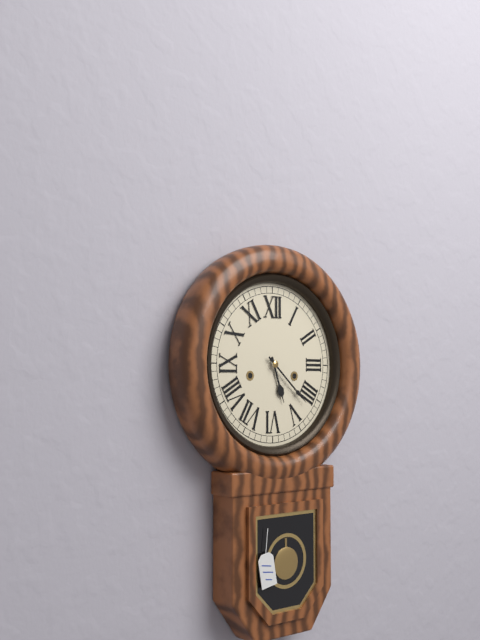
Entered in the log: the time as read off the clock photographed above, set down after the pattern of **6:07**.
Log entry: **5:22**
